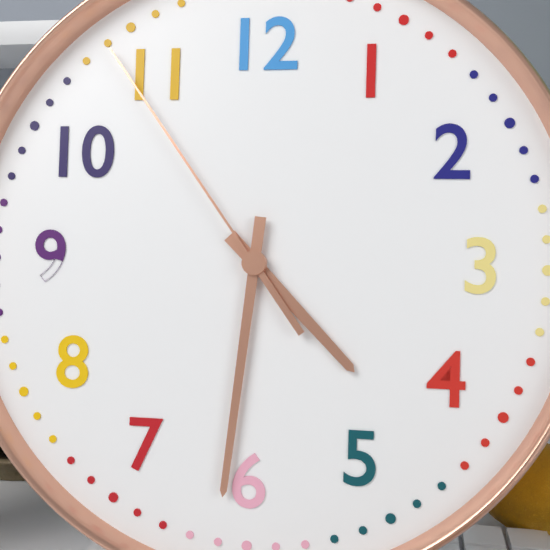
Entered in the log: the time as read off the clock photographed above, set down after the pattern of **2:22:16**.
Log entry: **4:31:54**
